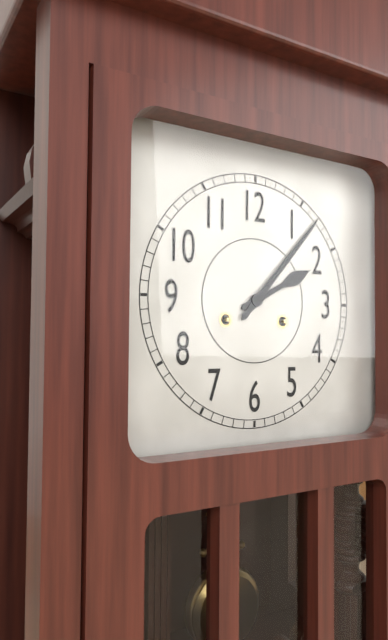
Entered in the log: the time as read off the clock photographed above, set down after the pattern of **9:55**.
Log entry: **2:07**
